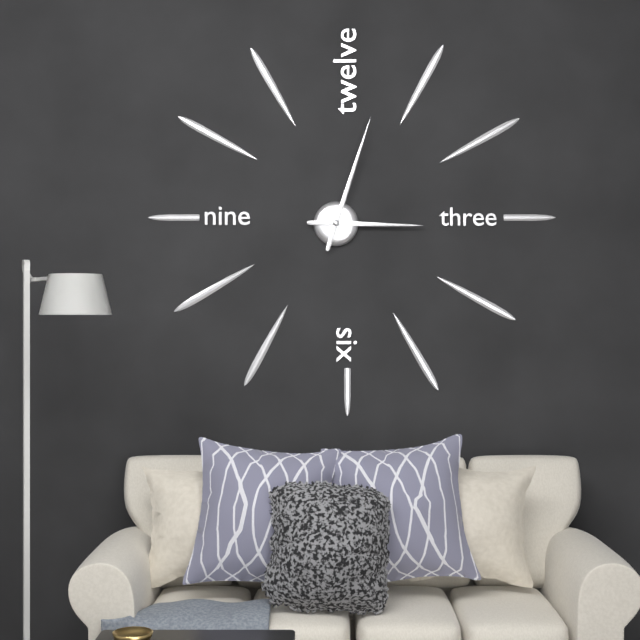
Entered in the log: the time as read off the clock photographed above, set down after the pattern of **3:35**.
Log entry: **3:03**
